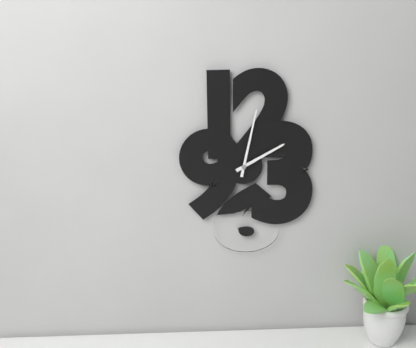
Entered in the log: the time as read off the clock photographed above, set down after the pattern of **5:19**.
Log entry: **2:02**
